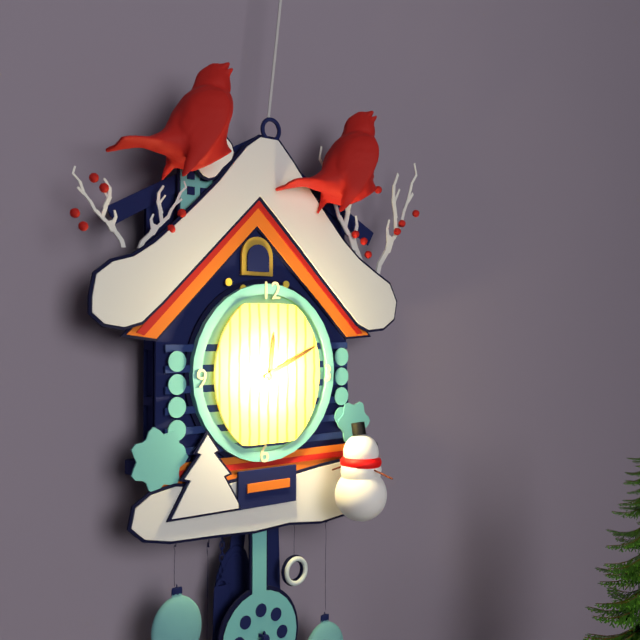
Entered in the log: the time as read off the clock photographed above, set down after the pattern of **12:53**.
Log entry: **12:11**
